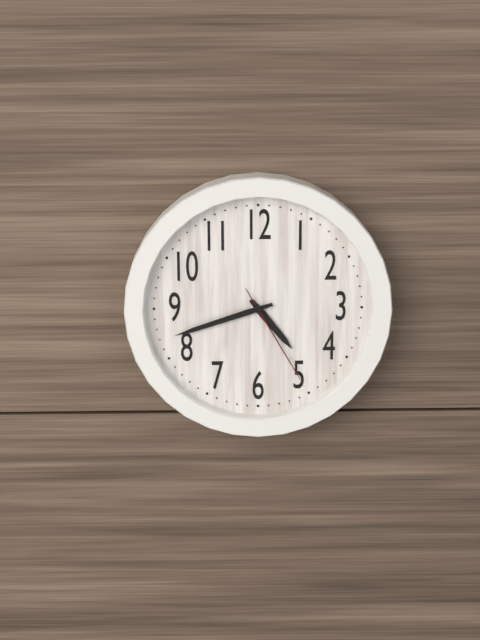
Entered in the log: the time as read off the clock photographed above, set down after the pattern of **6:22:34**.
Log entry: **4:42:25**
